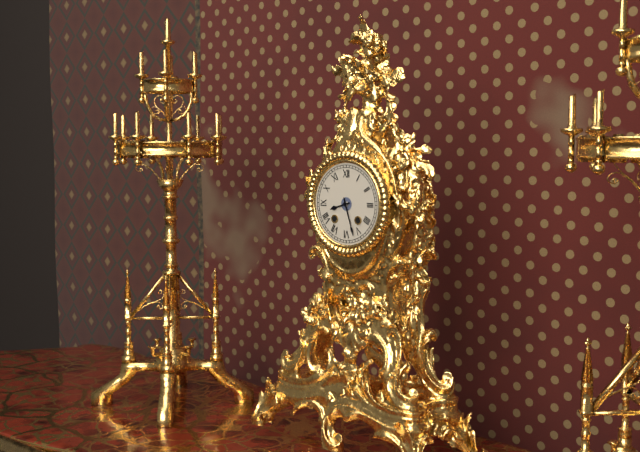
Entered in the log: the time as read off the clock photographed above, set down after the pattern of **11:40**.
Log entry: **8:27**
